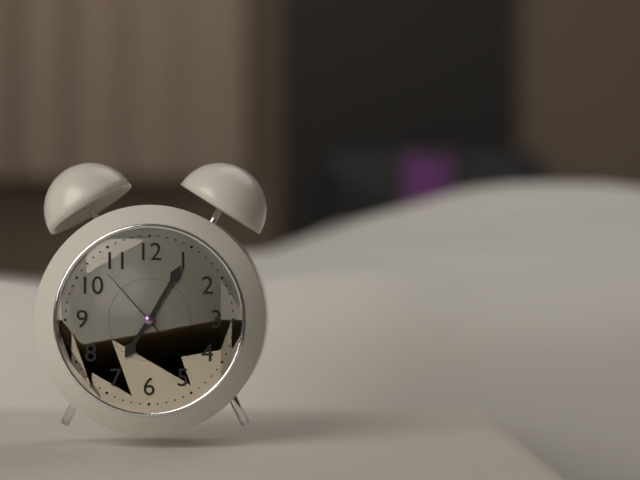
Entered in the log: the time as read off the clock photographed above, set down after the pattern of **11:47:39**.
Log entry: **7:05:53**
